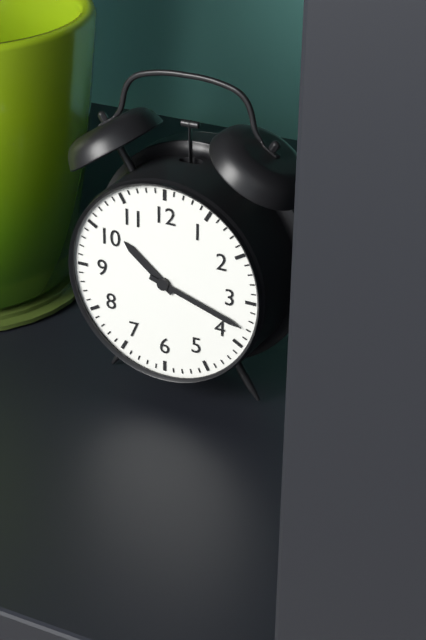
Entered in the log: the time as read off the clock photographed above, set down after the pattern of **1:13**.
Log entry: **10:18**
